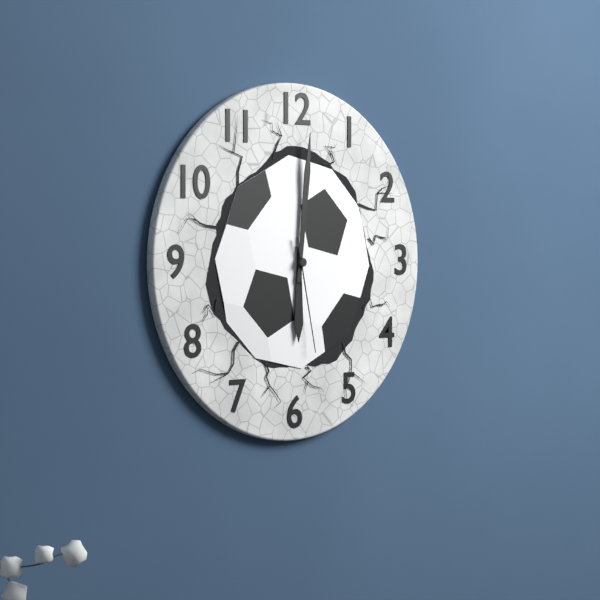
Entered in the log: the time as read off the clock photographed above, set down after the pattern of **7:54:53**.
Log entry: **6:01:28**
